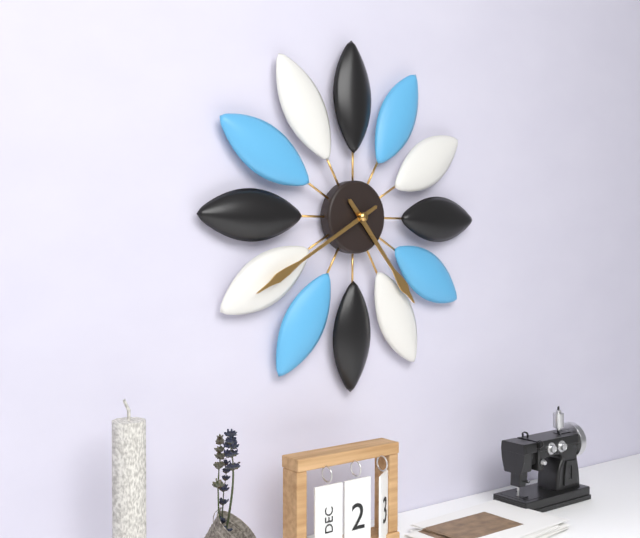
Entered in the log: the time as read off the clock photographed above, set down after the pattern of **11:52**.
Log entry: **4:40**
